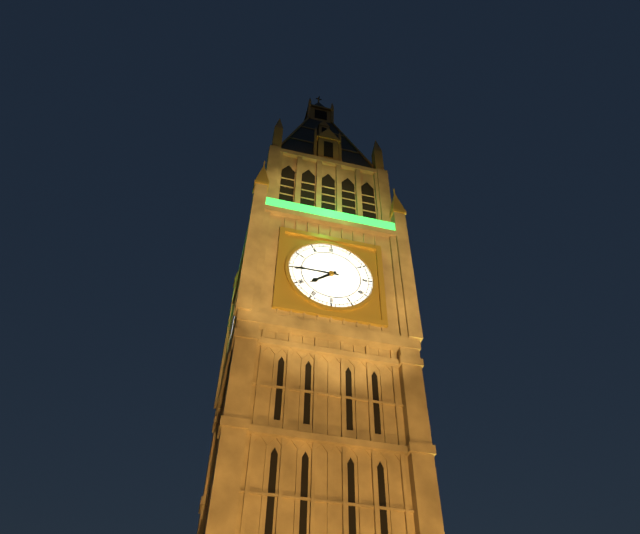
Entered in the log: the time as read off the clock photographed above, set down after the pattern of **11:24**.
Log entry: **7:45**
